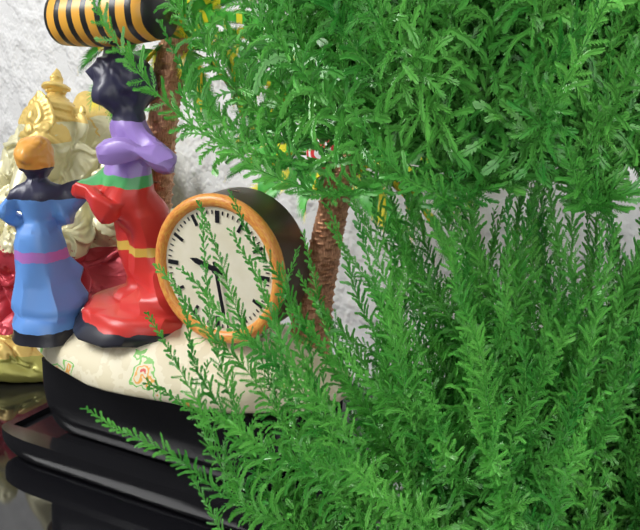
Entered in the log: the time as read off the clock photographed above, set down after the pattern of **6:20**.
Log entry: **9:28**
